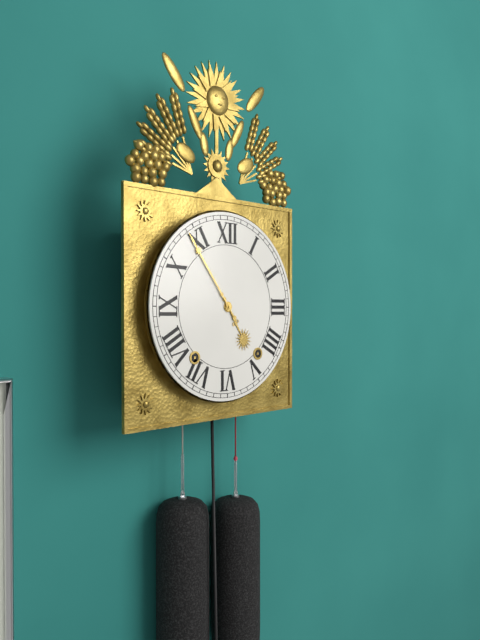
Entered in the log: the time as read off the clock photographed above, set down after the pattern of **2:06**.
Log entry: **4:54**
